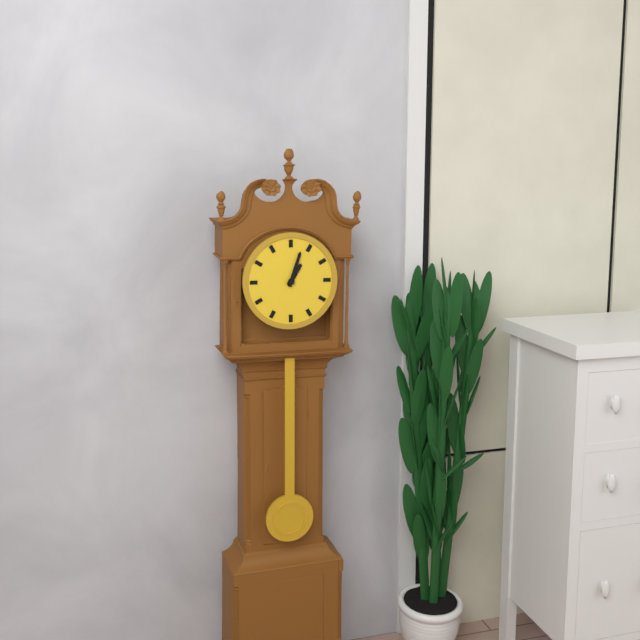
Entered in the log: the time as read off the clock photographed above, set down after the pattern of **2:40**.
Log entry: **1:03**
